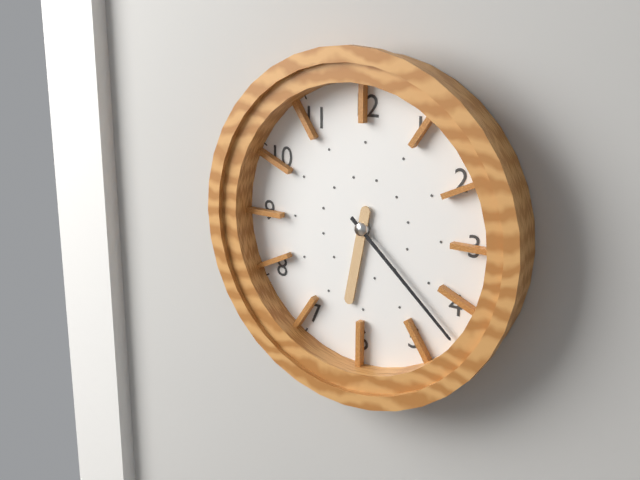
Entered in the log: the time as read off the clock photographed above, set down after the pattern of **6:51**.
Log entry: **6:22**
